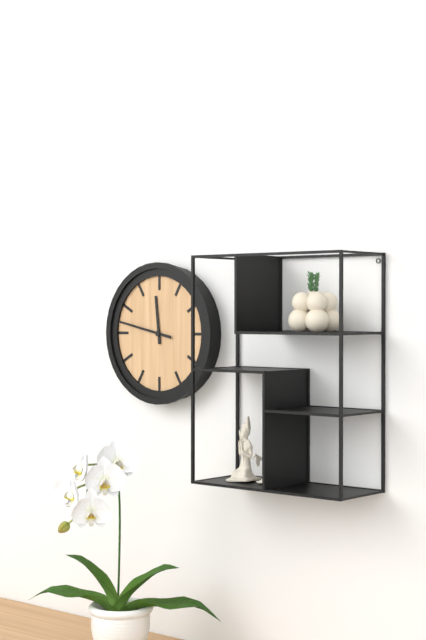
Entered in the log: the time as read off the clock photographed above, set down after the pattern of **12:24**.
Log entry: **11:47**
